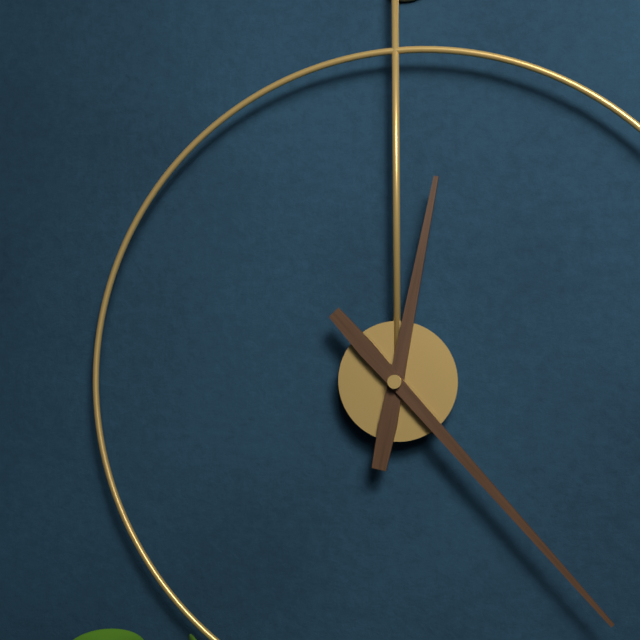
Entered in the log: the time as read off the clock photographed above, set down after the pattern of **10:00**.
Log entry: **12:23**
